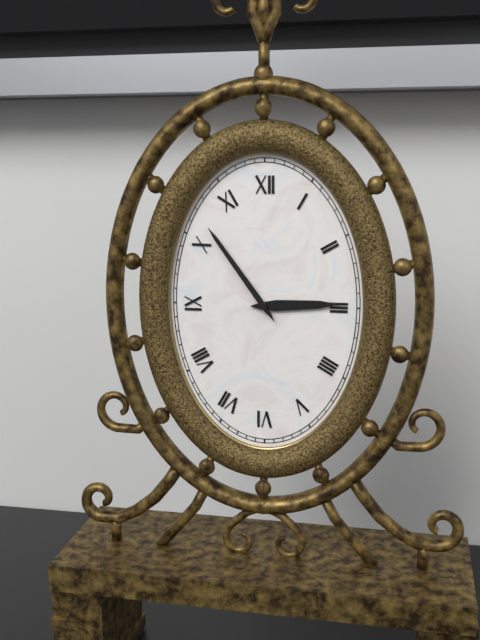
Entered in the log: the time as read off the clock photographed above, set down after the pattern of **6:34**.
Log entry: **2:54**
